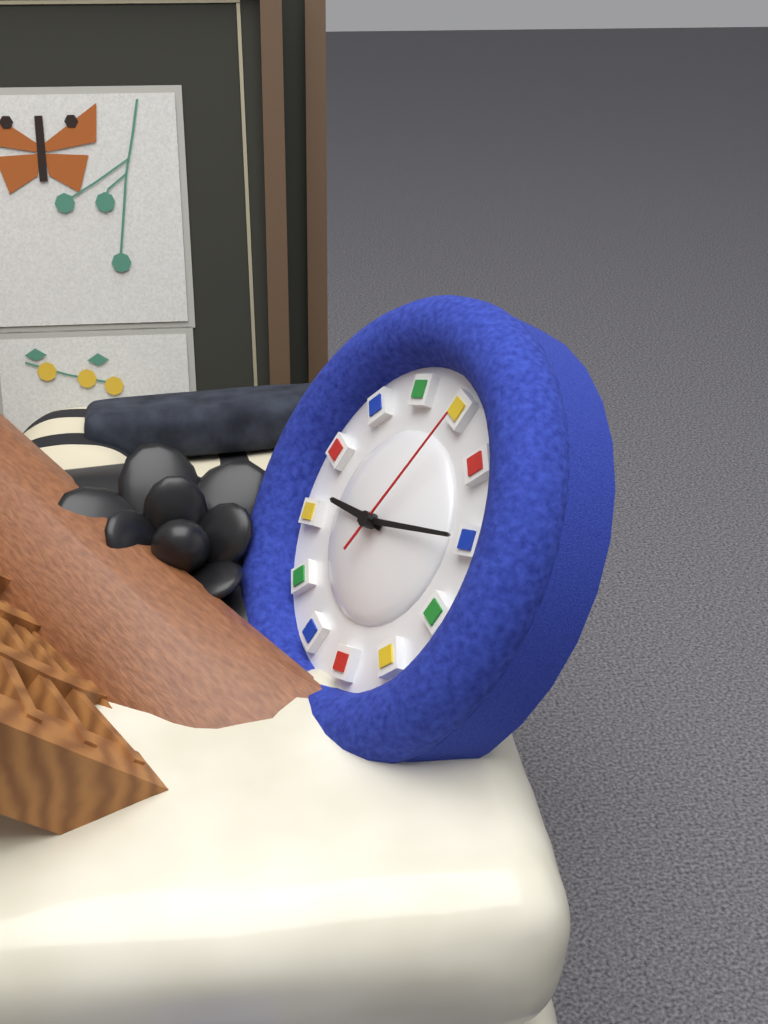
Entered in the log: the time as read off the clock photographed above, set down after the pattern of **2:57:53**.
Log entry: **10:20:11**
